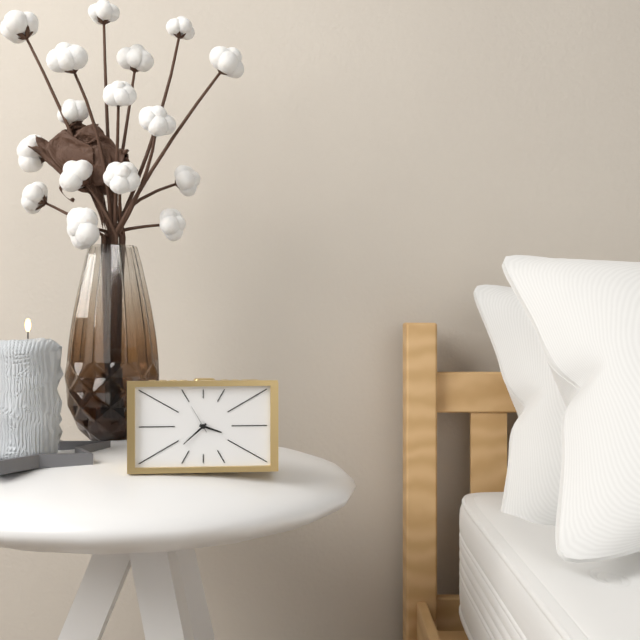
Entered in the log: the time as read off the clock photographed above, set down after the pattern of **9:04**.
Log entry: **3:38**
